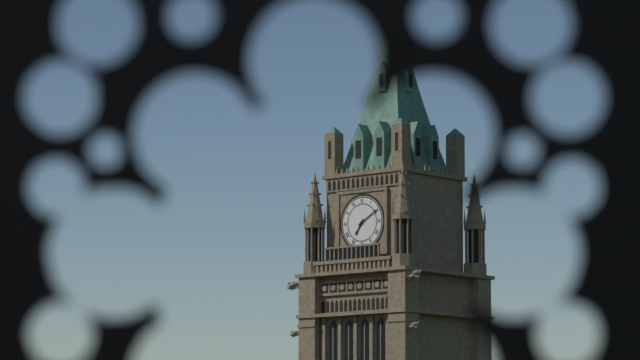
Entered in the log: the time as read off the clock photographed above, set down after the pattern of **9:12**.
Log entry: **7:10**
